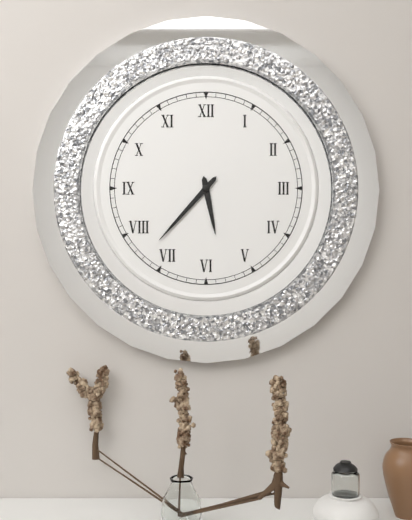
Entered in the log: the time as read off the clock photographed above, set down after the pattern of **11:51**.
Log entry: **5:37**
